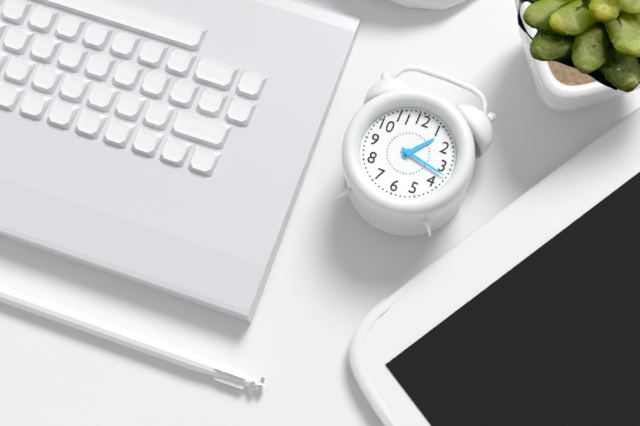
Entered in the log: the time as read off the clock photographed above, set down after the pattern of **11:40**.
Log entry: **1:17**
